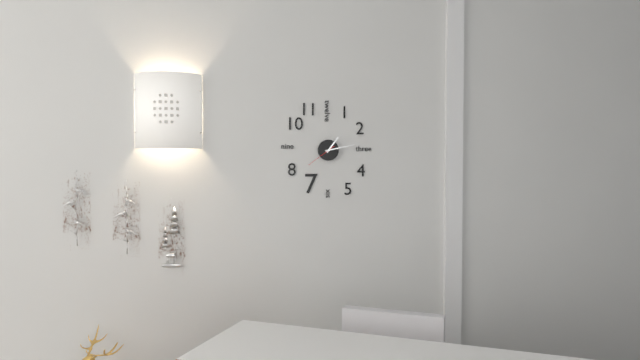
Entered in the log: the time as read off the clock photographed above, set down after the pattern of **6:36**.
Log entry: **1:13**
